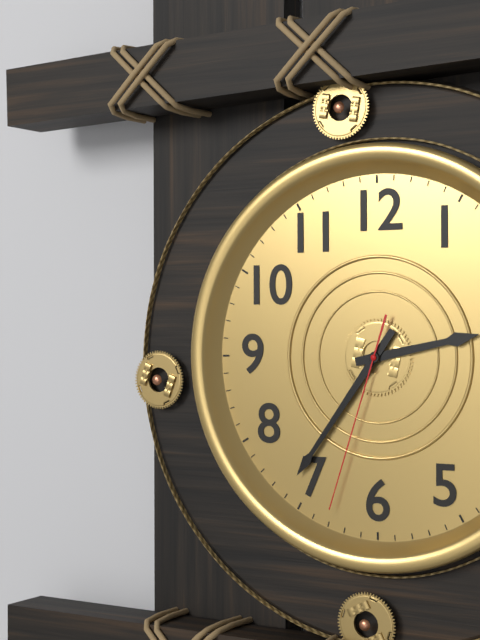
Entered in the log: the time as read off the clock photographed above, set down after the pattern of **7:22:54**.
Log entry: **2:36:33**
